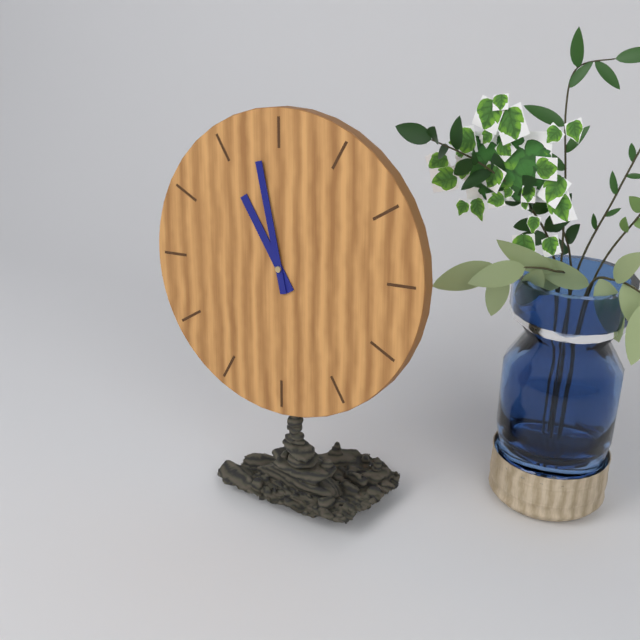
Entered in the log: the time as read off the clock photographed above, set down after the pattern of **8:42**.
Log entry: **10:58**
